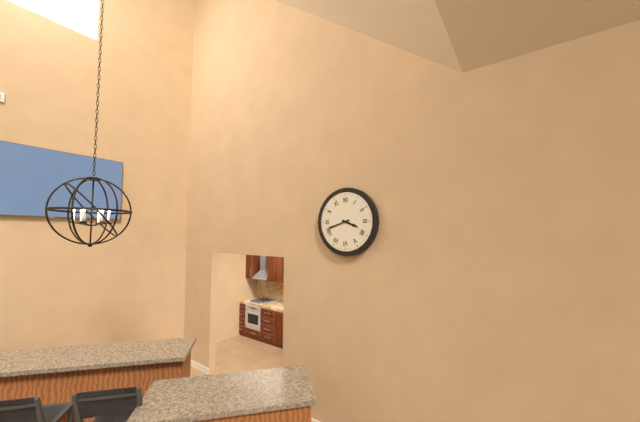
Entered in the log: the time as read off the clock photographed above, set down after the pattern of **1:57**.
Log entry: **3:42**
